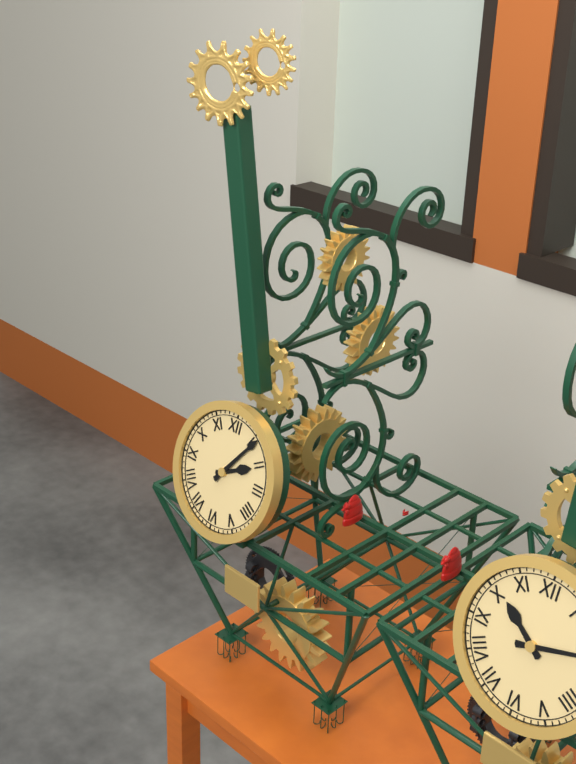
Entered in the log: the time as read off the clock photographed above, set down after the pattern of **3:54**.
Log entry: **2:06**
